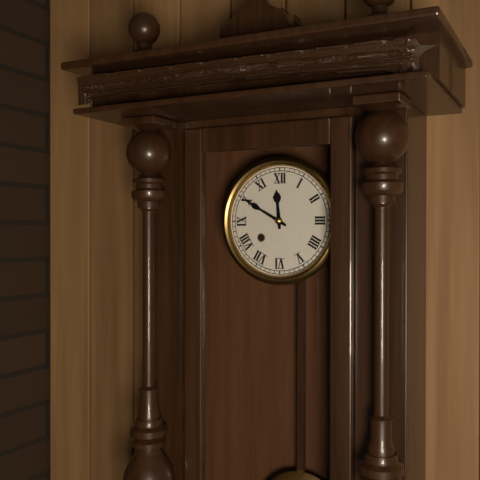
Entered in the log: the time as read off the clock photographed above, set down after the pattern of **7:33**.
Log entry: **11:50**
